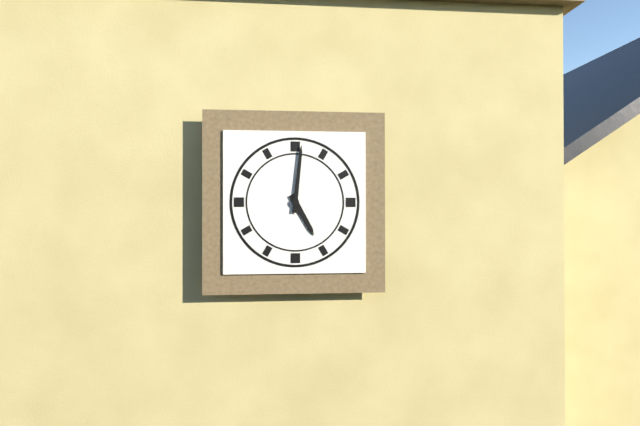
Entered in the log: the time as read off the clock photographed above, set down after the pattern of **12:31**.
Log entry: **5:01**
